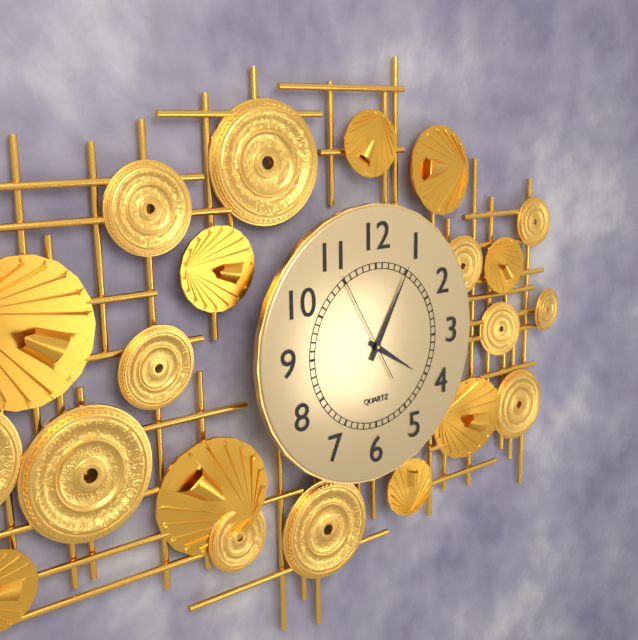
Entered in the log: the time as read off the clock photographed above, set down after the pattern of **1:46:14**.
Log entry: **4:05:55**
